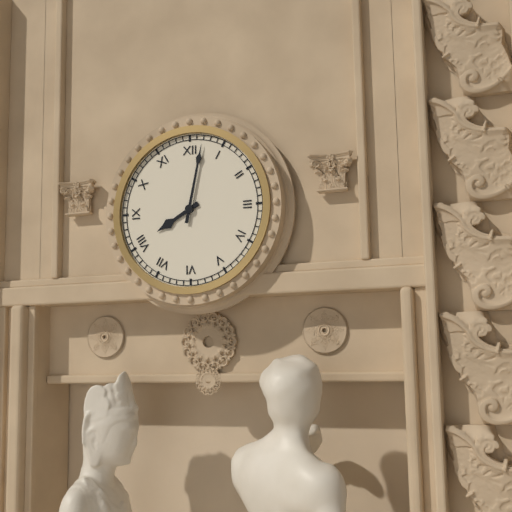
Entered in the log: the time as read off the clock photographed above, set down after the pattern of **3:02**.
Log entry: **8:02**
